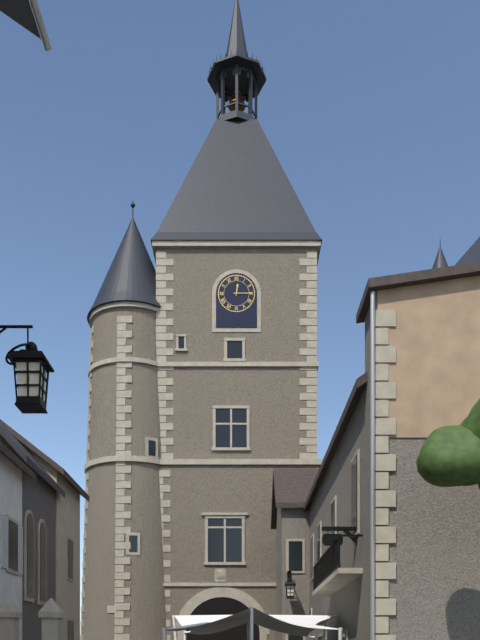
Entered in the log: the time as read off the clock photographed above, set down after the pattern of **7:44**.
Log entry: **12:15**
